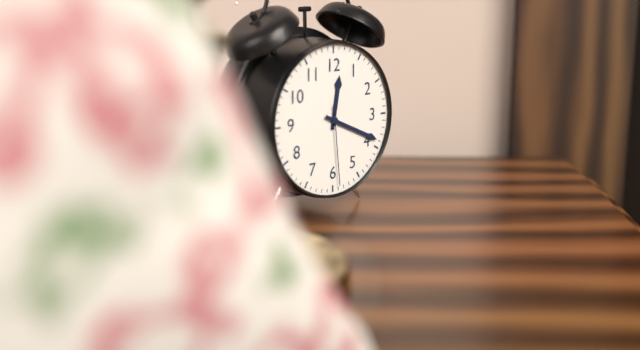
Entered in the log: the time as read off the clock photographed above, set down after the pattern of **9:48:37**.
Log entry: **12:19:29**
